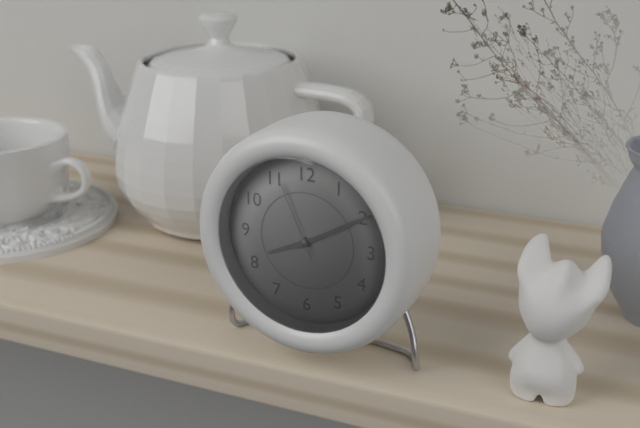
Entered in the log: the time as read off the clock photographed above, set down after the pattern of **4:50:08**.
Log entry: **8:10:56**
